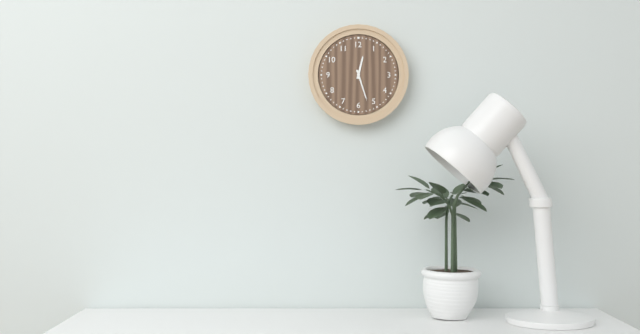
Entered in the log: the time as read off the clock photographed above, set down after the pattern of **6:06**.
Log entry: **12:27**
